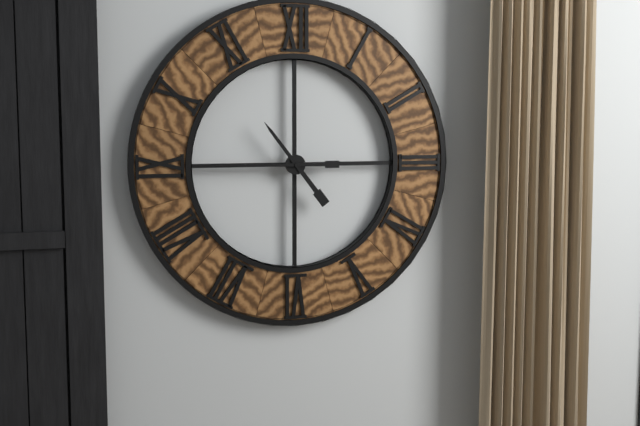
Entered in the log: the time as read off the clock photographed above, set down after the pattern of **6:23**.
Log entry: **10:45**
